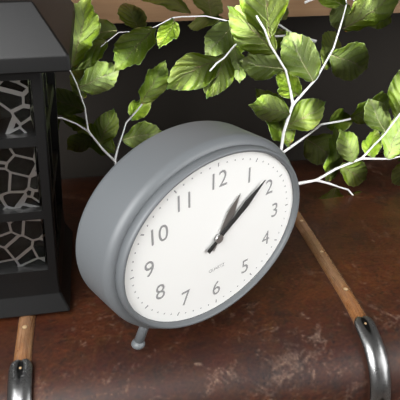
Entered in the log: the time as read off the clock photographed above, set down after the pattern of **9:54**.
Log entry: **1:09**
